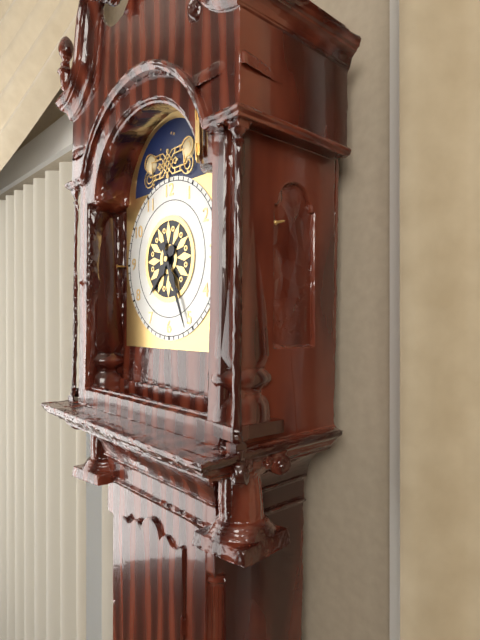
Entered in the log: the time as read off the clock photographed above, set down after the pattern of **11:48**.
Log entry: **7:26**
